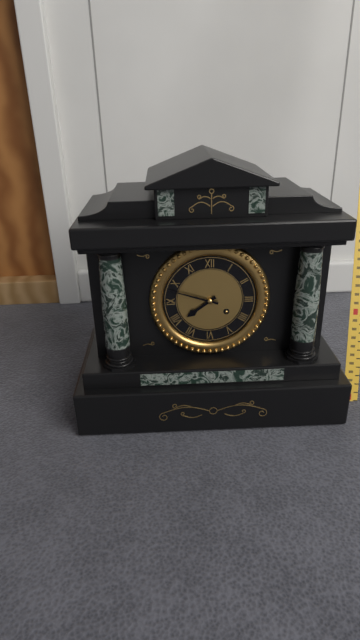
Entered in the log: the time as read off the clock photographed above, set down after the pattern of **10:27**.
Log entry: **7:48**
